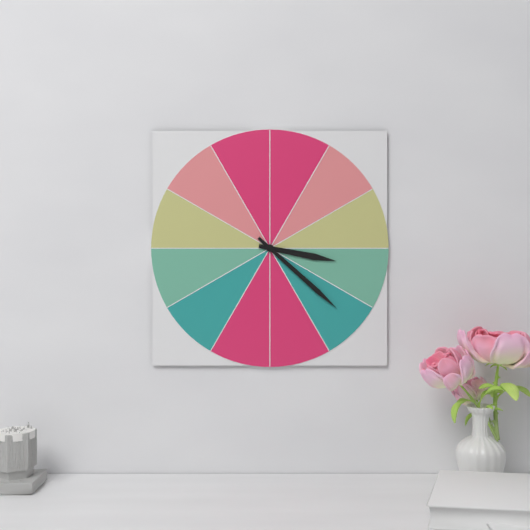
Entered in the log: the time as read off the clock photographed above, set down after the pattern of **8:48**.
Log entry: **3:22**
